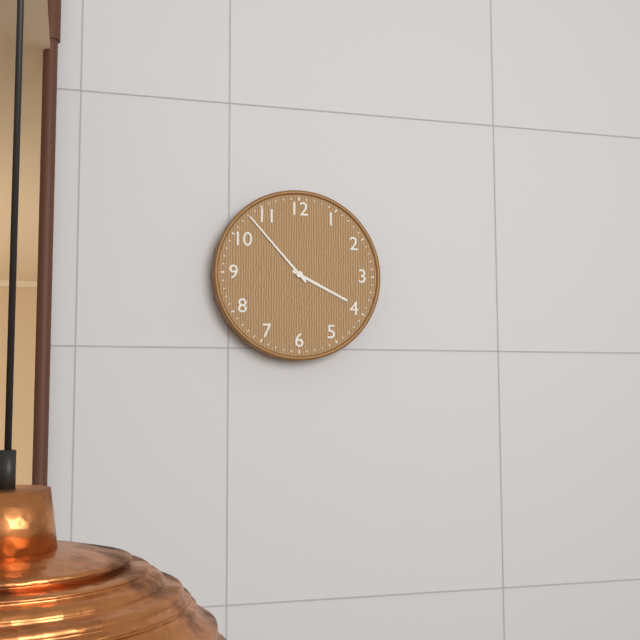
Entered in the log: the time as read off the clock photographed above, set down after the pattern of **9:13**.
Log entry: **3:53**
